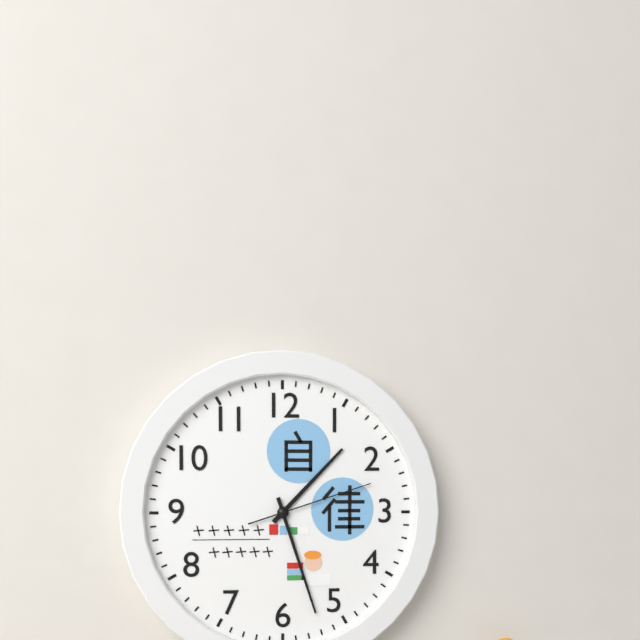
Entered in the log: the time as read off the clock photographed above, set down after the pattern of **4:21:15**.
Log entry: **1:27:12**
